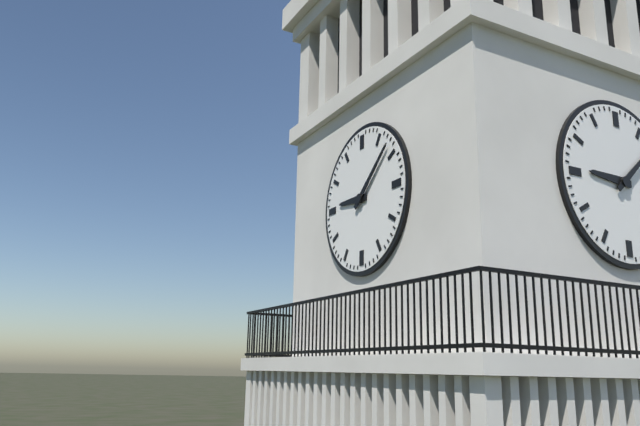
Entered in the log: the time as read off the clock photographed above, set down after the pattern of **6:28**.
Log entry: **9:08**
